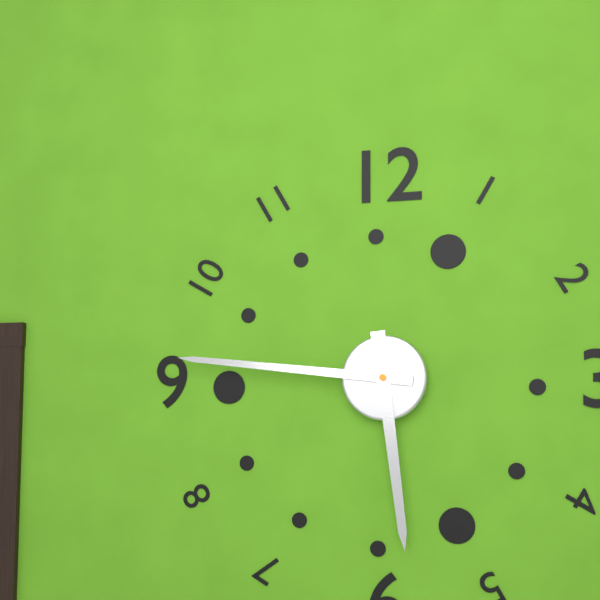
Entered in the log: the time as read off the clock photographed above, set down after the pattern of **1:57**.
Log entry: **5:46**
